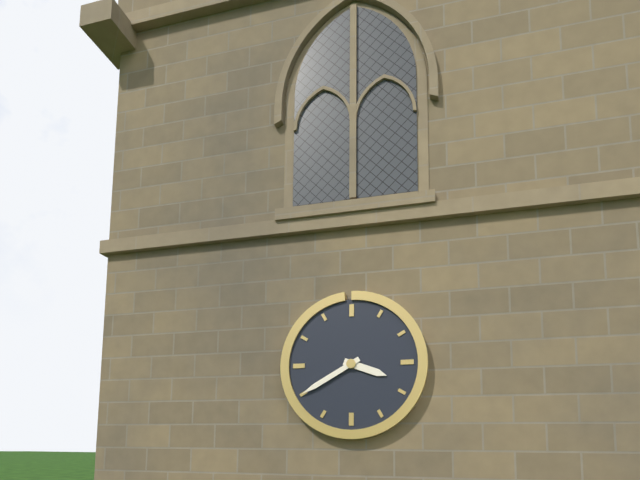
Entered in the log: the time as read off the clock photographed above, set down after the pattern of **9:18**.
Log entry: **3:40**
